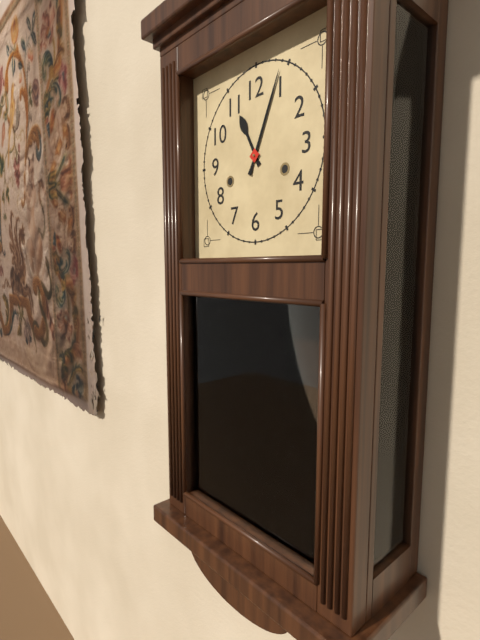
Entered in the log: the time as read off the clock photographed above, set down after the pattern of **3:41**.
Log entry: **11:04**
